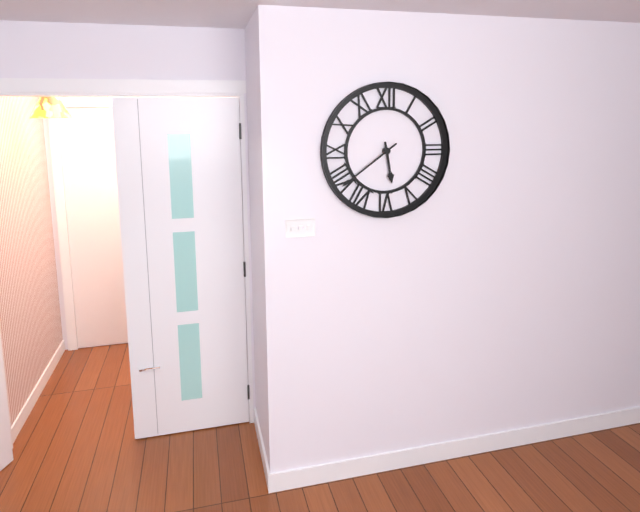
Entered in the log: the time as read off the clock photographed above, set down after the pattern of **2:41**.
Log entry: **5:39**
